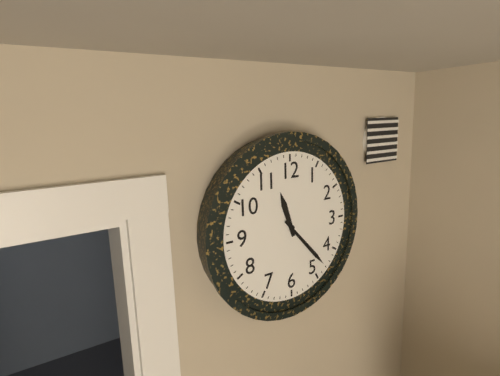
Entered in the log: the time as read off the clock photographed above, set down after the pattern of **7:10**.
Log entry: **11:23**
